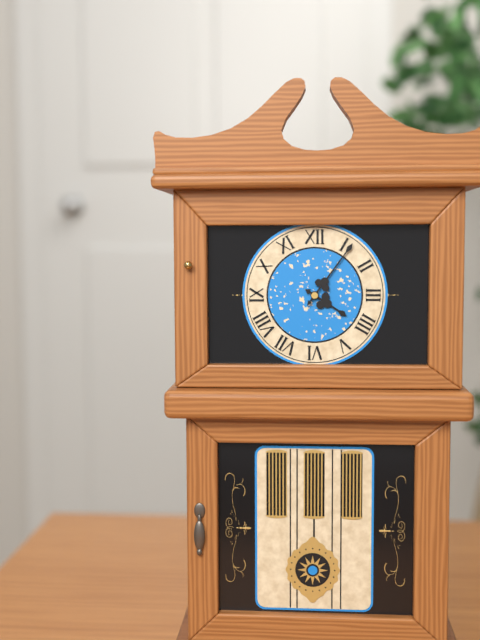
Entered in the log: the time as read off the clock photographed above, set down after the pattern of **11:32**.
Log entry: **4:06**
